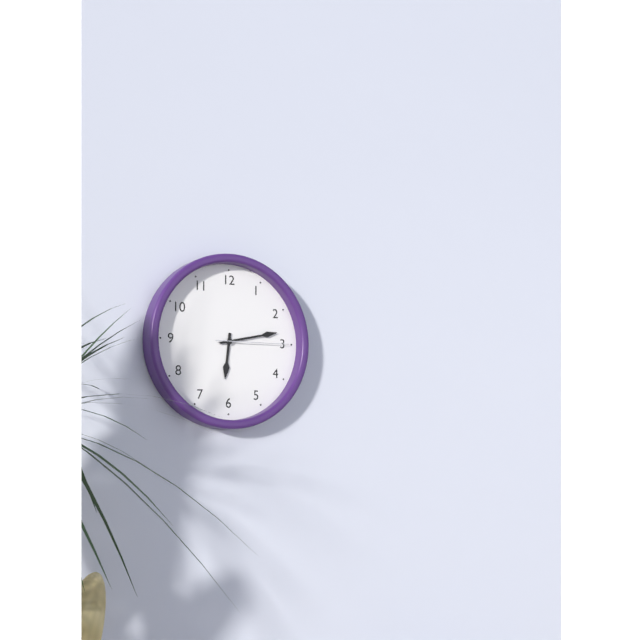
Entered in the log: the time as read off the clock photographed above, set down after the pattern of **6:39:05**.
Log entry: **6:13:15**
